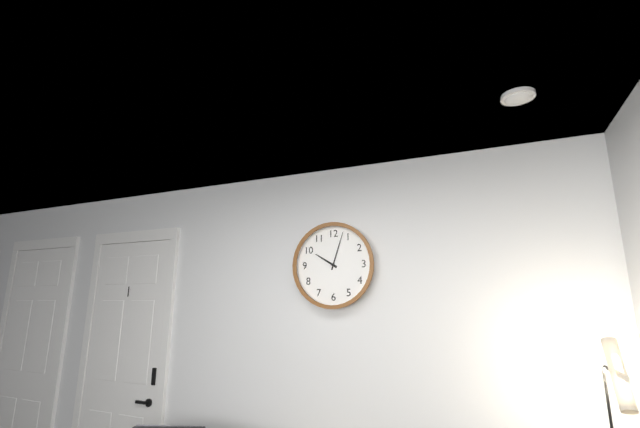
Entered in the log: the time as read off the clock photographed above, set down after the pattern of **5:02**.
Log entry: **10:03**
